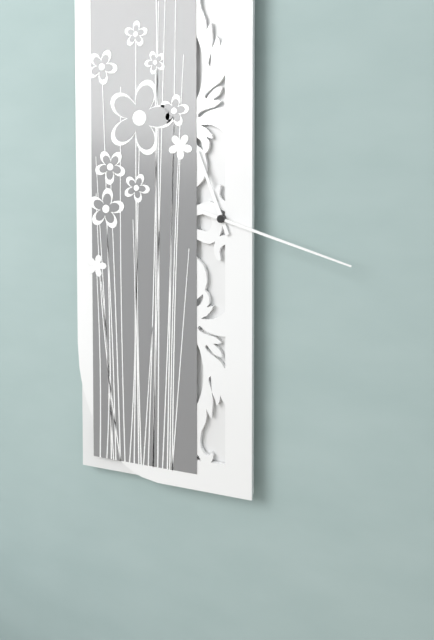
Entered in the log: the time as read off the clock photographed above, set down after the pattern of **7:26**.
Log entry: **11:18**
